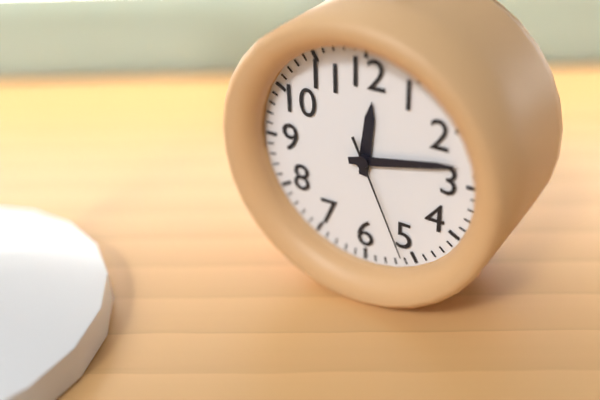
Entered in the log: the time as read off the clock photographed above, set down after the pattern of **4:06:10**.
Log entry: **12:13:26**
